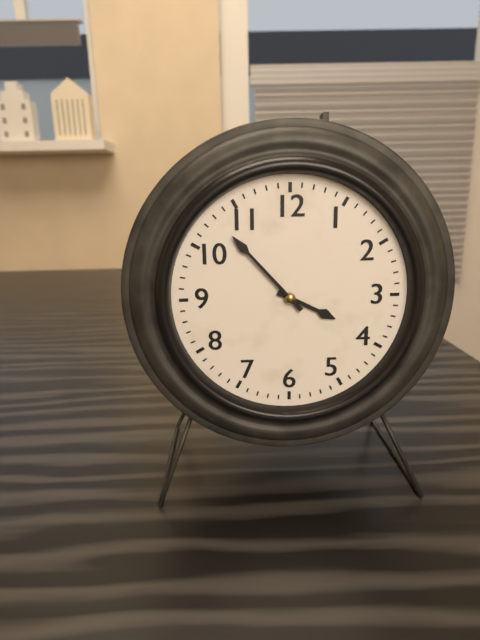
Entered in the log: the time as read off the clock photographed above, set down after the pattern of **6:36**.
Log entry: **3:53**
